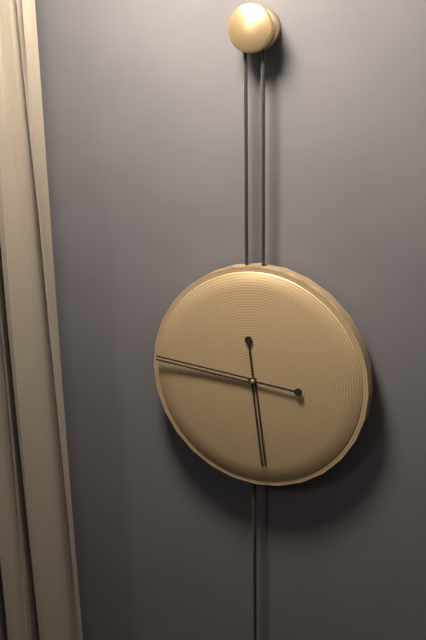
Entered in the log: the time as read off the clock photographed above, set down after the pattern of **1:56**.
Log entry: **5:46**
